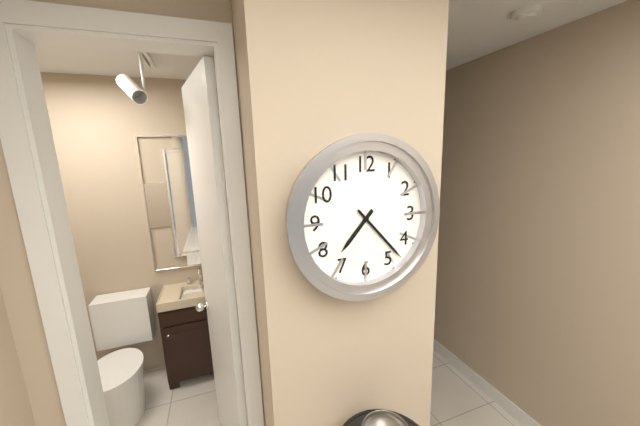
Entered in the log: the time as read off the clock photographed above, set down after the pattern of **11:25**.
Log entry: **7:23**
